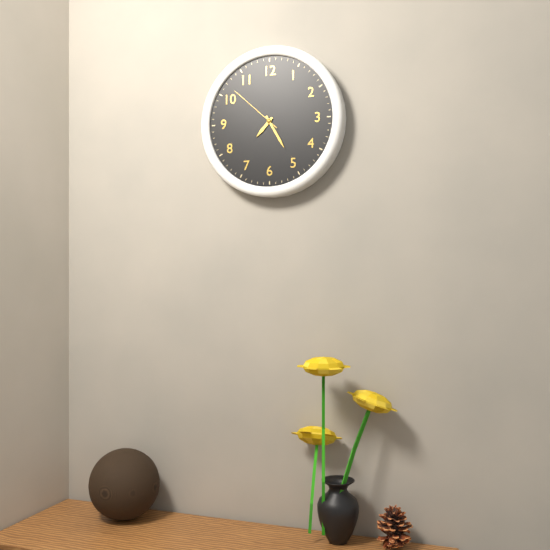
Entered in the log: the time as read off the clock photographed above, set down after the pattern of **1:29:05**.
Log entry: **7:25:52**
